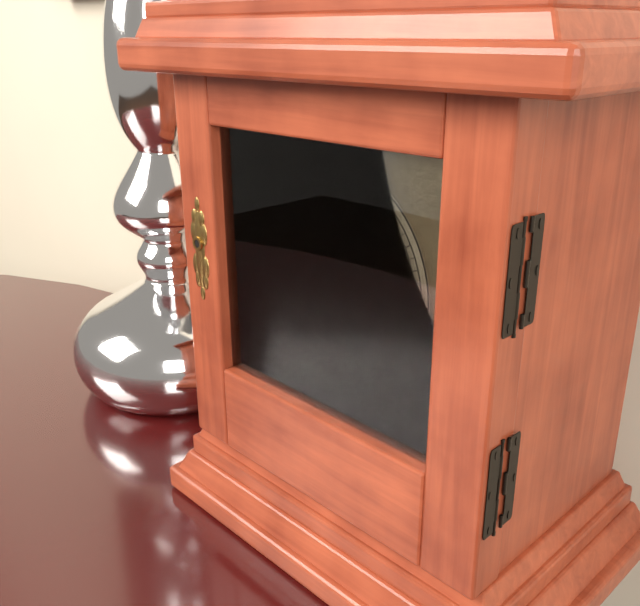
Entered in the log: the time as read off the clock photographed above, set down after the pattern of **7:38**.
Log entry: **12:27**
